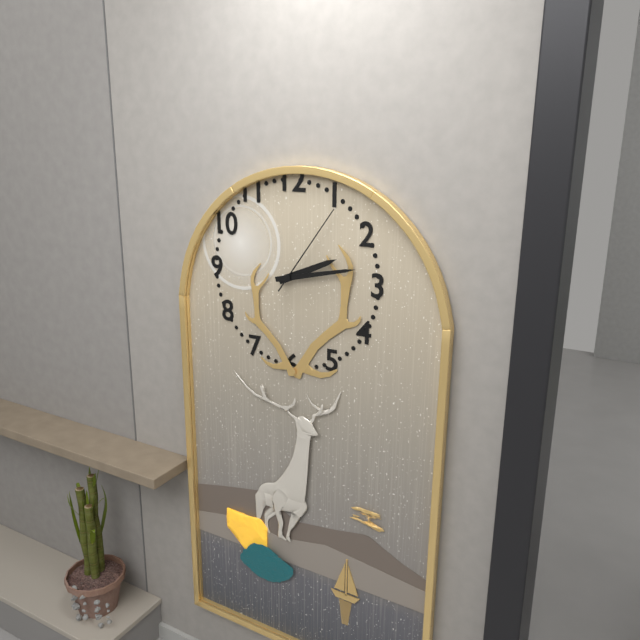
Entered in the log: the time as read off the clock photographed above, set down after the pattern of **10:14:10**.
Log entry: **2:13:06**
